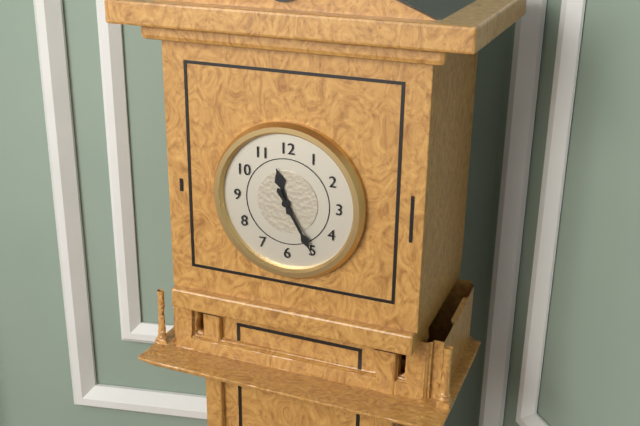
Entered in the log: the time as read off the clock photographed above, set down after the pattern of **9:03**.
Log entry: **11:25**
